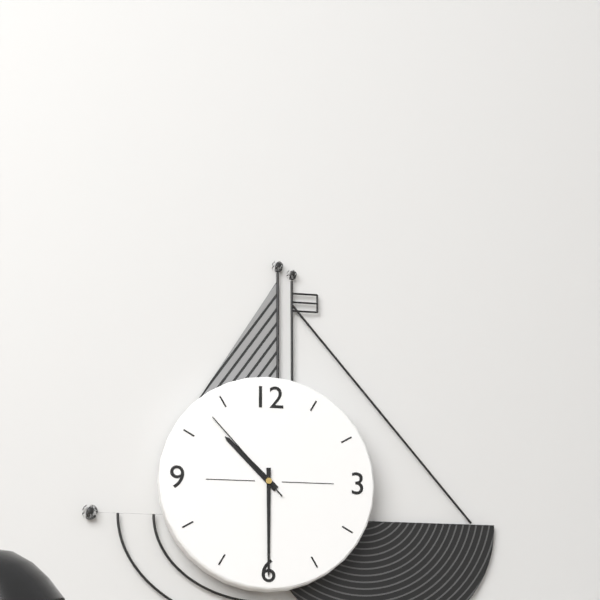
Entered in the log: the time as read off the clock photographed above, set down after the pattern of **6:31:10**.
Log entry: **10:30:53**
